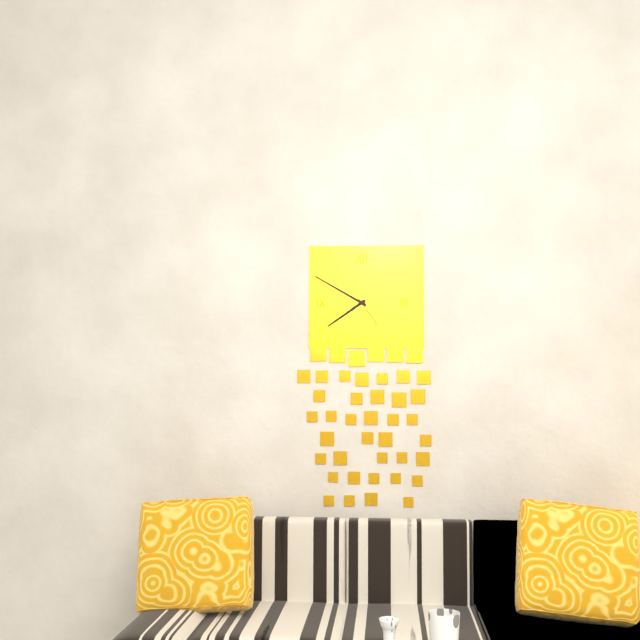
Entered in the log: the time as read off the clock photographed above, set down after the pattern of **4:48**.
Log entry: **7:50**
